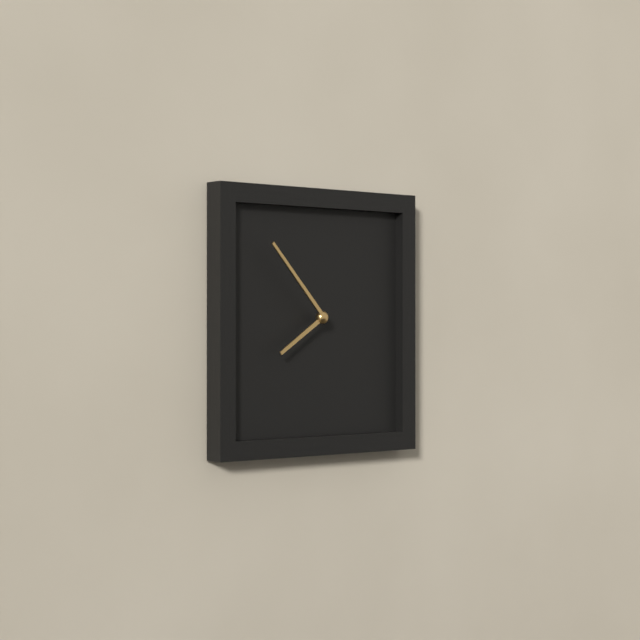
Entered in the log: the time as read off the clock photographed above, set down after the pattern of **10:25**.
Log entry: **7:53**
